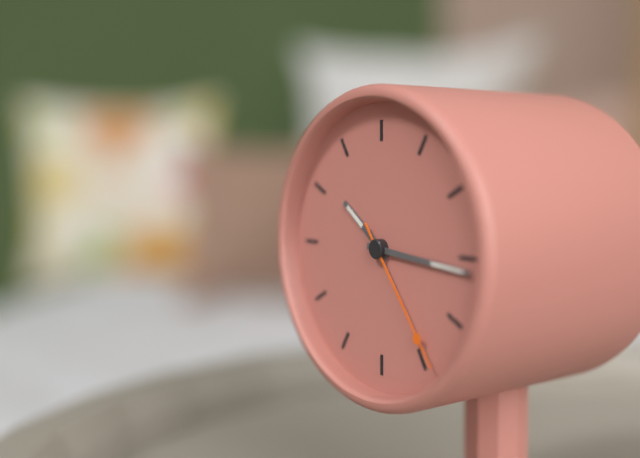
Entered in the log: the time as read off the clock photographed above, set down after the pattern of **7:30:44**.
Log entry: **10:16:24**
